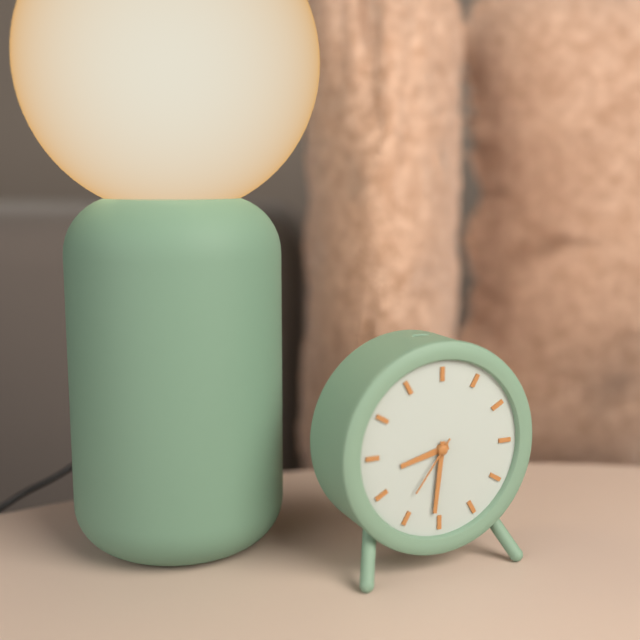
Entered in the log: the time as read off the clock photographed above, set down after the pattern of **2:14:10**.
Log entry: **8:31:36**
